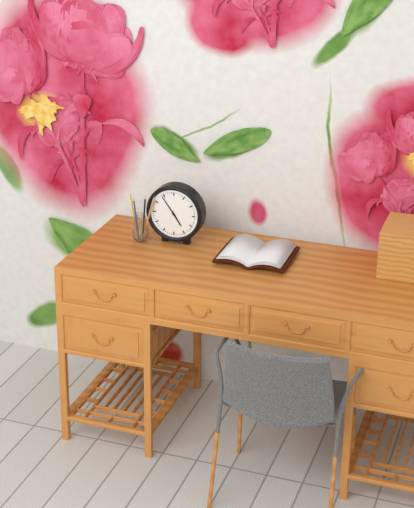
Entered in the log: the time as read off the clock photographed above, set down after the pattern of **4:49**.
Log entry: **4:54**
